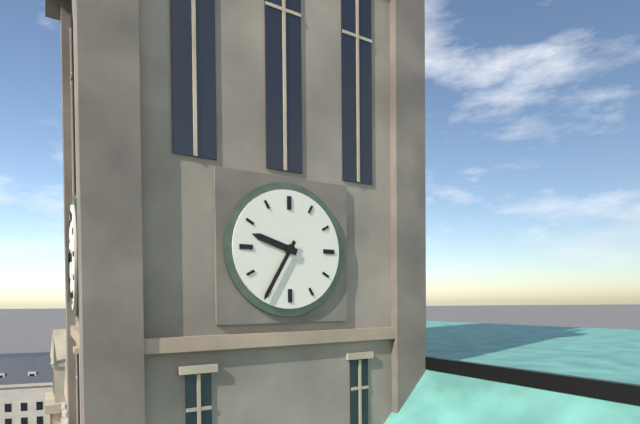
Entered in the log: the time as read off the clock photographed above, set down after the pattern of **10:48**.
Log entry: **9:35**
